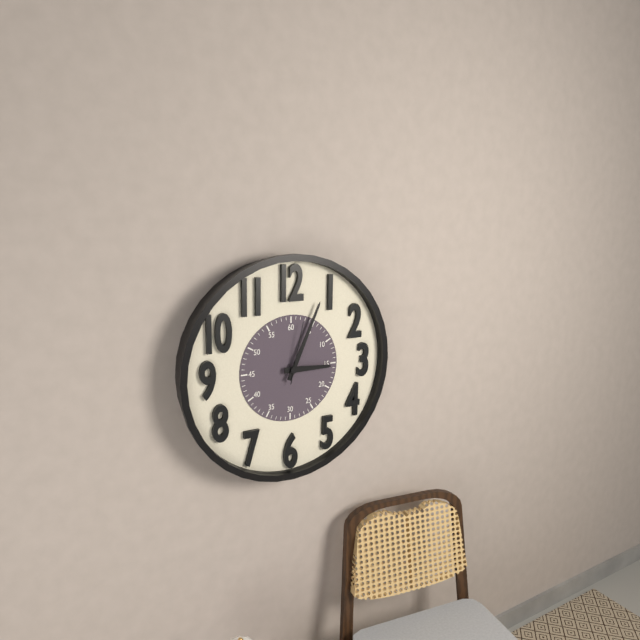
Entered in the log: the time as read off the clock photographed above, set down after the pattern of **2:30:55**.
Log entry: **3:04:02**
